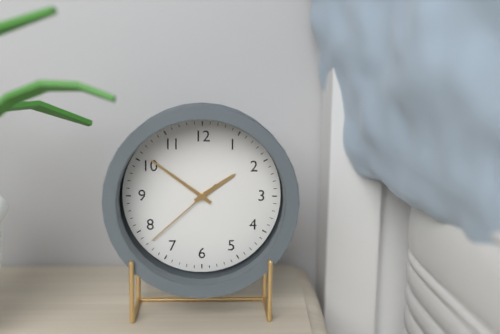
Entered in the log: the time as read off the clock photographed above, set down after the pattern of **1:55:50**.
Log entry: **1:51:38**
